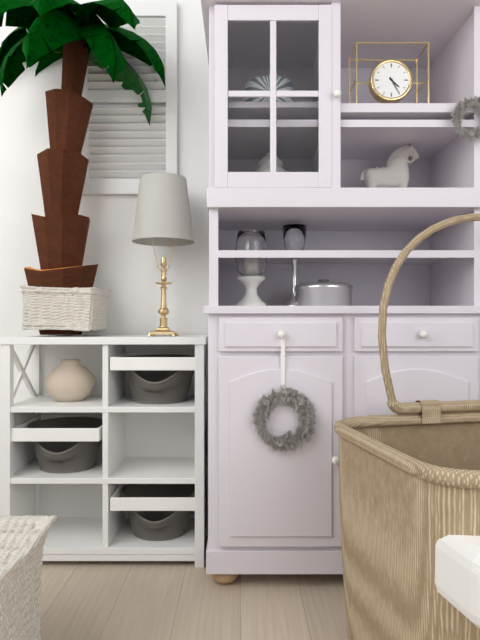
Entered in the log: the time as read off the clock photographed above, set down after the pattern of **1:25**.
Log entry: **4:25**
